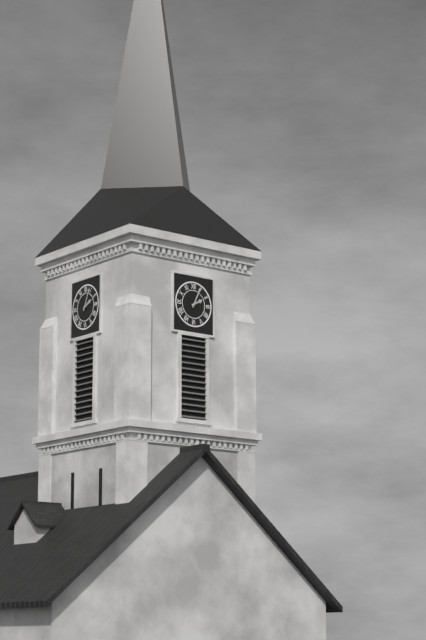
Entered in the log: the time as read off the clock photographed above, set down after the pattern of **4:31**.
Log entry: **2:04**
